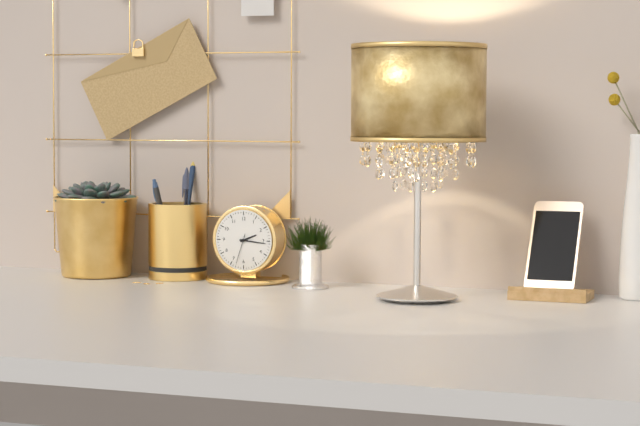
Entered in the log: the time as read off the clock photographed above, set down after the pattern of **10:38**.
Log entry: **2:16**
